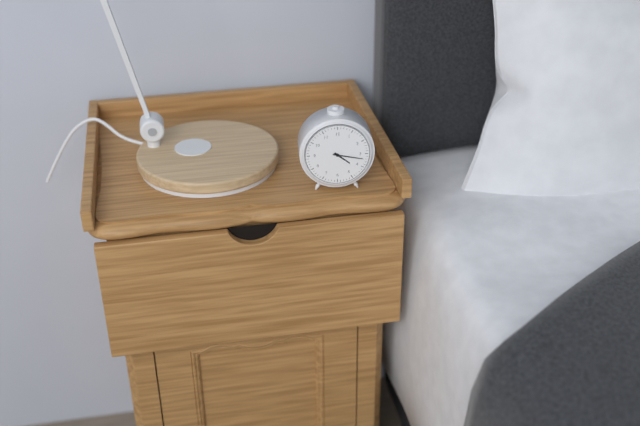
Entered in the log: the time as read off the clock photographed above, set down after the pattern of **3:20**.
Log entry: **4:17**
